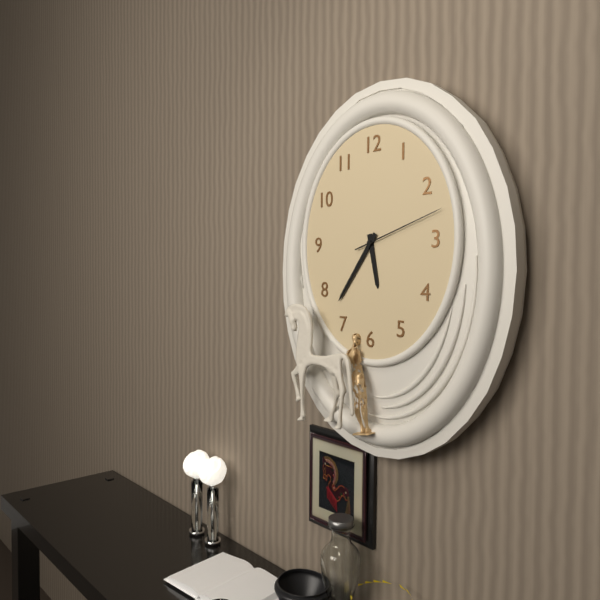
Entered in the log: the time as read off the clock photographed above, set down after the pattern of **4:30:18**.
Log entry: **5:36:12**
